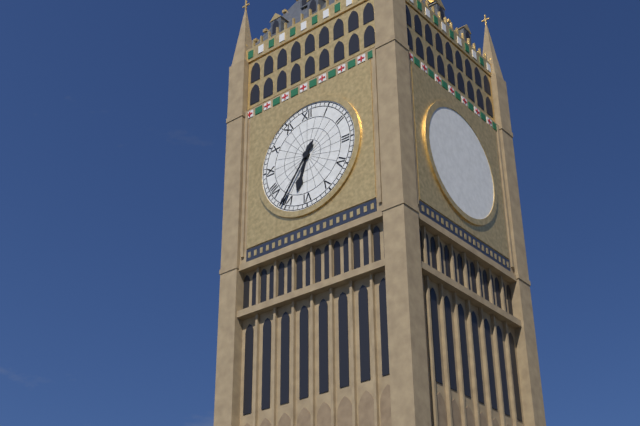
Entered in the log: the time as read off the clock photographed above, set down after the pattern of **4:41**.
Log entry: **6:36**
